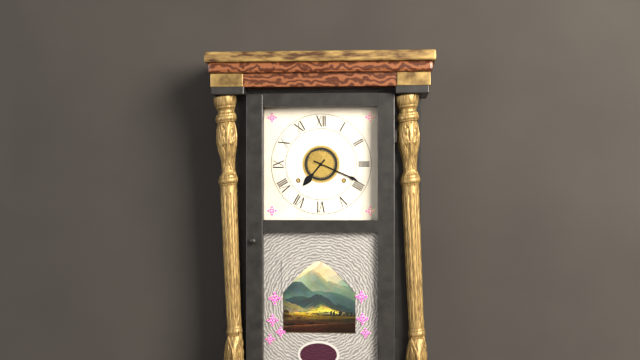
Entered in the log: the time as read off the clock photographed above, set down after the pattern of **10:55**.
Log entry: **7:19**
